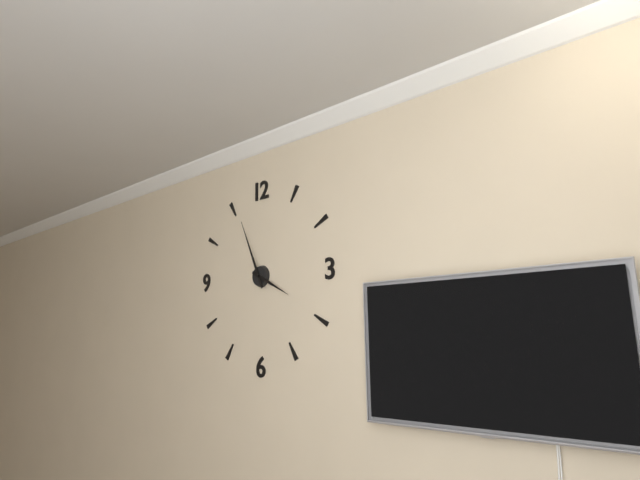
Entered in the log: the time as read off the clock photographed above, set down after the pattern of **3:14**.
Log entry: **3:56**
